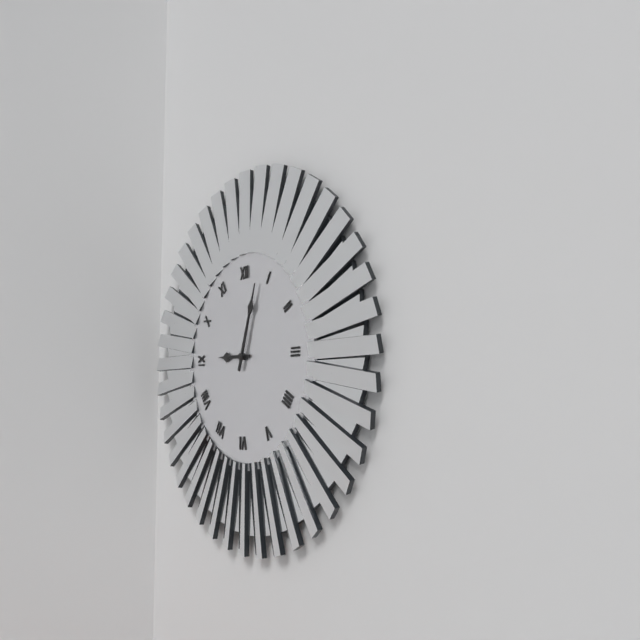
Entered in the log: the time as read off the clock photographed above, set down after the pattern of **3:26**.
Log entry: **9:03**
